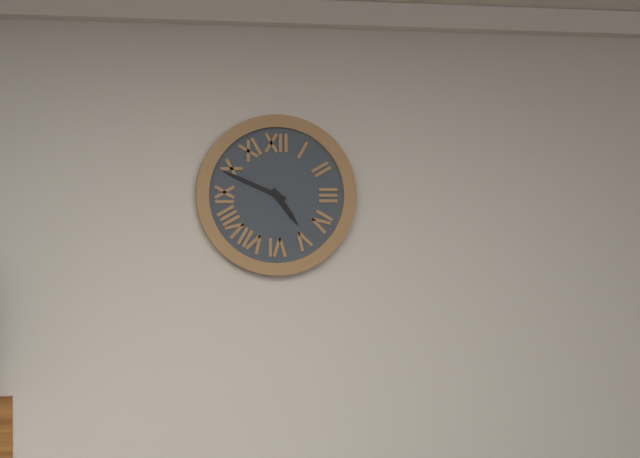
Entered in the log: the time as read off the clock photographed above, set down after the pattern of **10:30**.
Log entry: **4:49**
